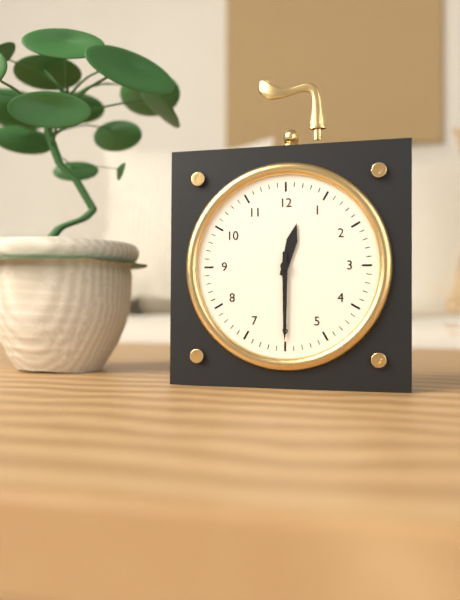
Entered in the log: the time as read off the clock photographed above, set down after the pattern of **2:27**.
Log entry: **12:30**
